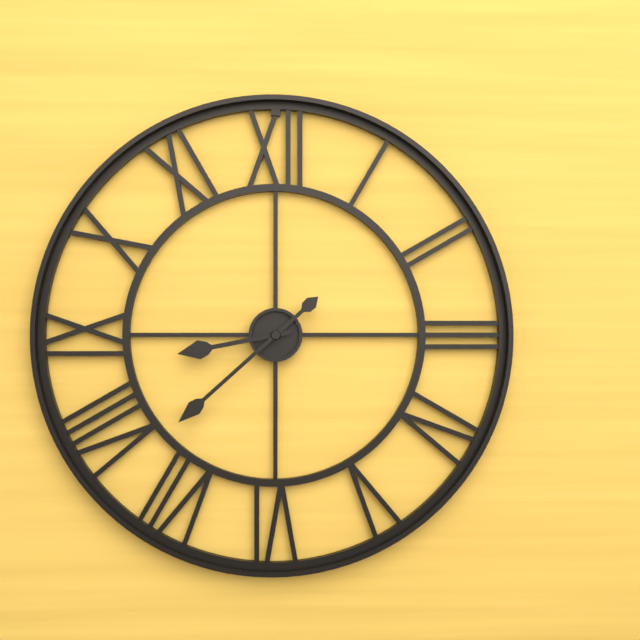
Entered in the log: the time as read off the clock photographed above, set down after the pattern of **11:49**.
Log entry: **8:38**
